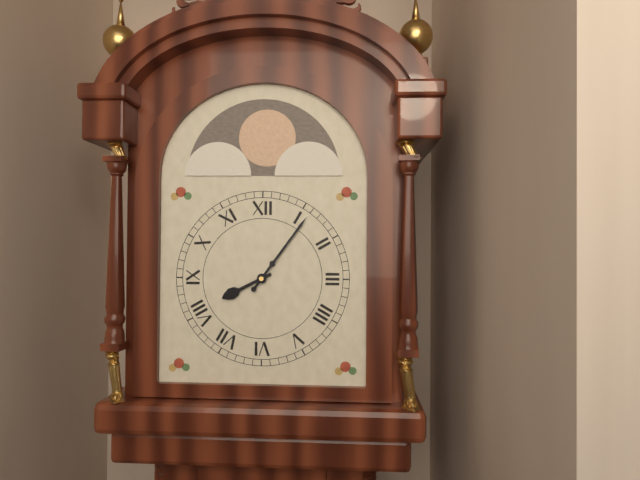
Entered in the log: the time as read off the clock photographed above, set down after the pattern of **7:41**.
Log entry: **8:06**
